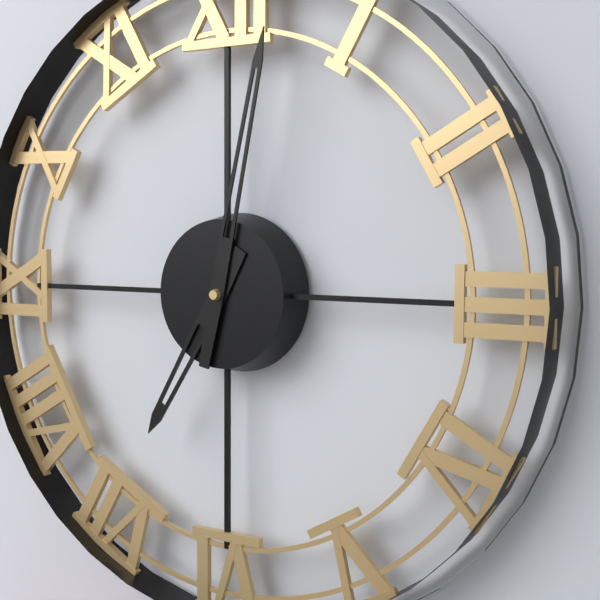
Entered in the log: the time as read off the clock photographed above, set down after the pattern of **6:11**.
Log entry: **7:02**
